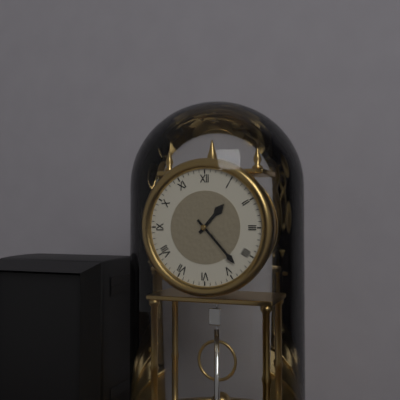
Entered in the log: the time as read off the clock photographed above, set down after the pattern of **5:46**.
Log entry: **1:23**
